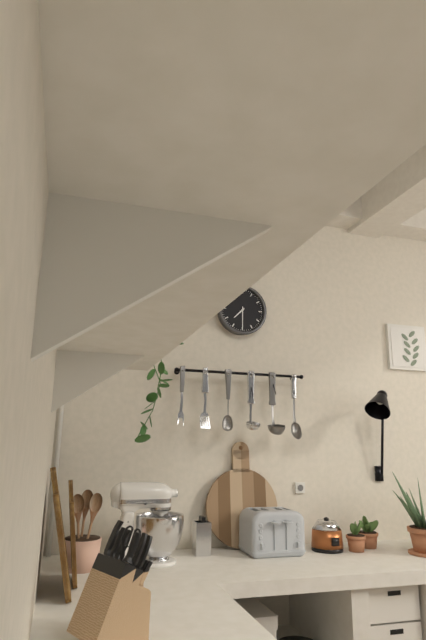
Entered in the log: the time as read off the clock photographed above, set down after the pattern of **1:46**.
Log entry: **7:30**
